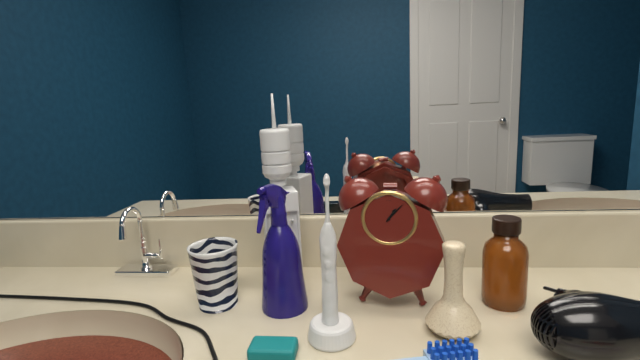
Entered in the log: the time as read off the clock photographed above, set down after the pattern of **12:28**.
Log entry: **1:07**
